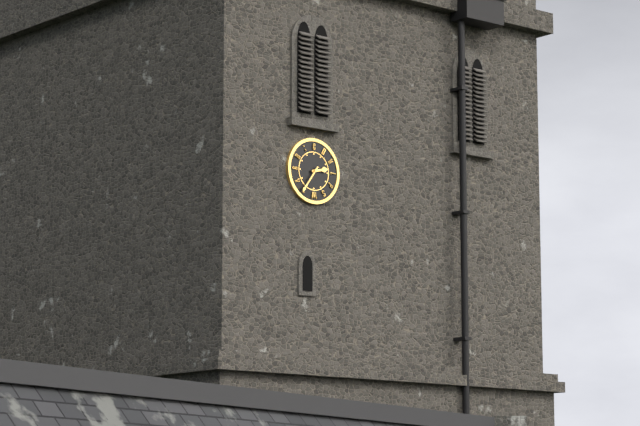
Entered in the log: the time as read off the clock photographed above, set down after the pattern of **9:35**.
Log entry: **2:36**
